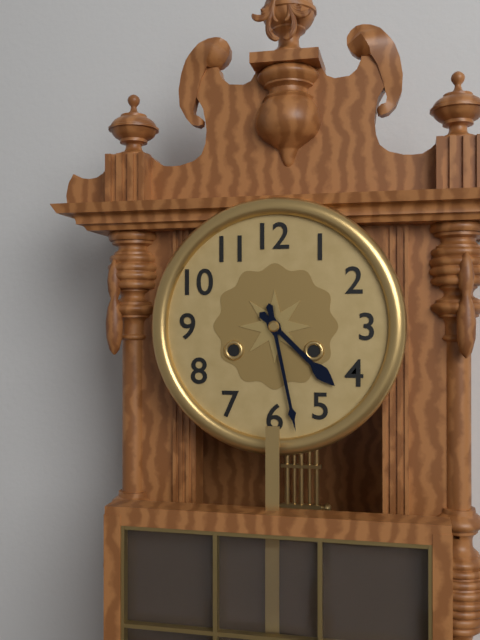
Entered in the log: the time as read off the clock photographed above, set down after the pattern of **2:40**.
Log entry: **4:28**
